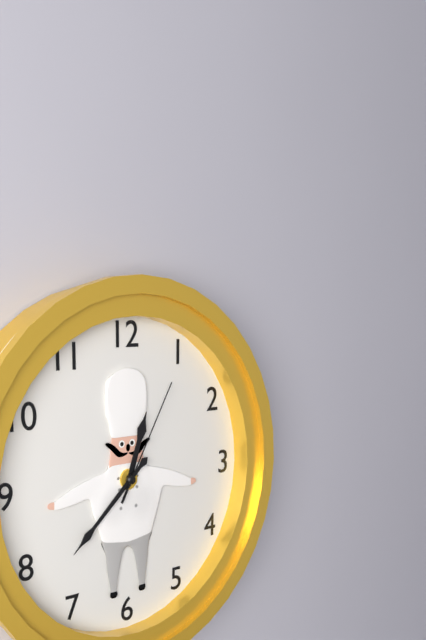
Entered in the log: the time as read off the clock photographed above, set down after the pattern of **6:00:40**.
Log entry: **12:38:05**
